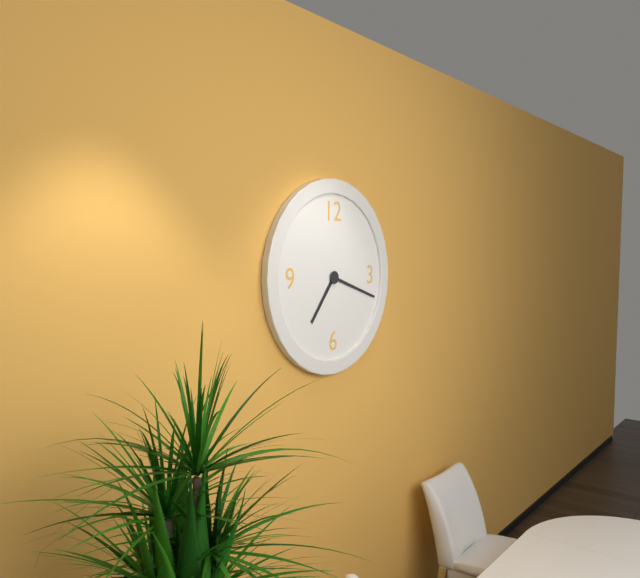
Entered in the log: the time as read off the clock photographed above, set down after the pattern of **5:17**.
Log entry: **7:18**
